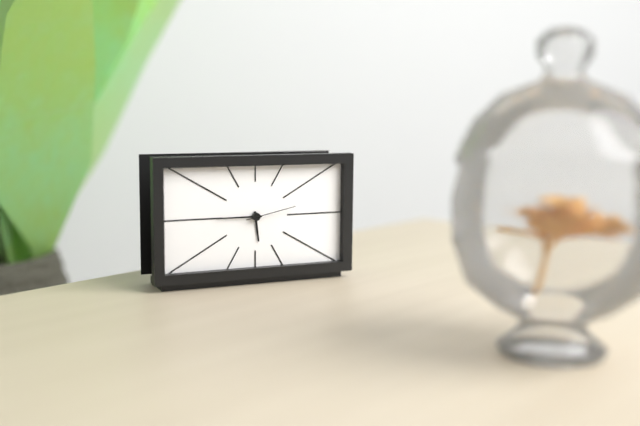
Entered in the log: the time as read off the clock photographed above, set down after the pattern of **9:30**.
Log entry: **5:45**
